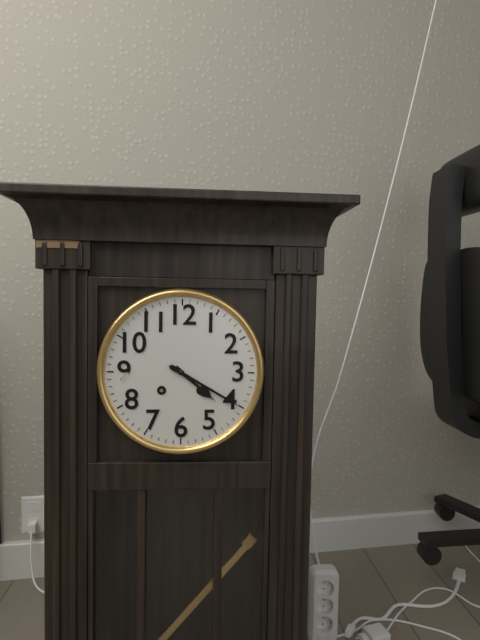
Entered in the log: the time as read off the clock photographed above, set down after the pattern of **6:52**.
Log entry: **4:20**
